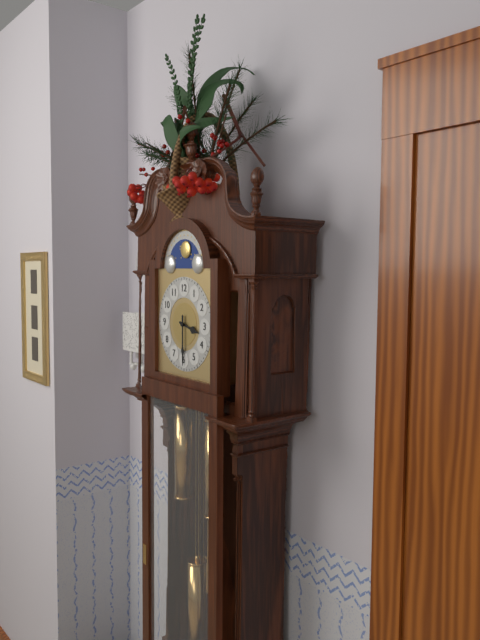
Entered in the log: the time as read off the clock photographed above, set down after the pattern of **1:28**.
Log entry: **3:30**
